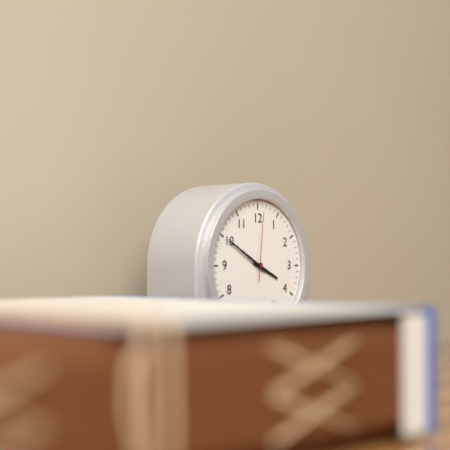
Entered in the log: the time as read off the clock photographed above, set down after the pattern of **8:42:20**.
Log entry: **3:50:01**
